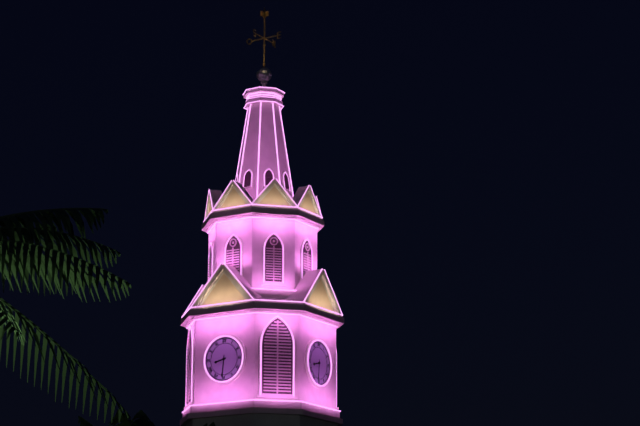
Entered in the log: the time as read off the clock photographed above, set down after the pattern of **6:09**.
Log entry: **8:31**
